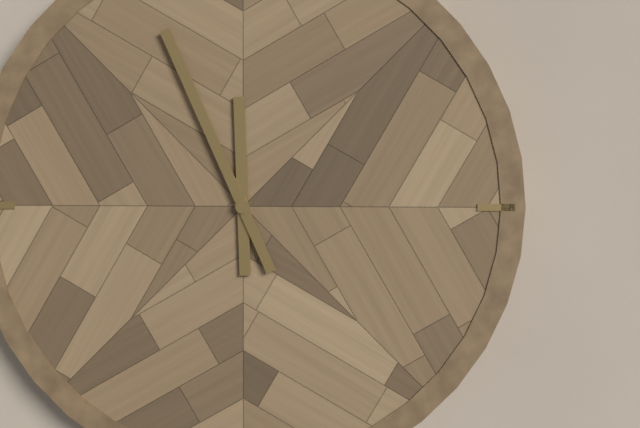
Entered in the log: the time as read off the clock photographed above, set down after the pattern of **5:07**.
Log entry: **11:56**
